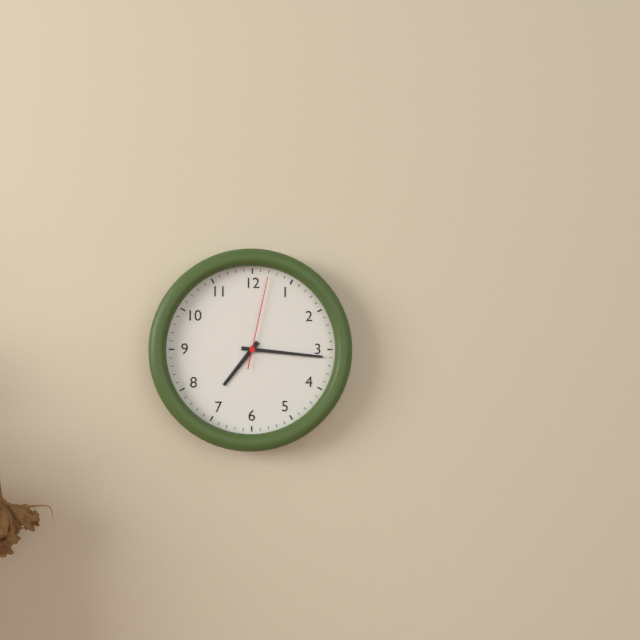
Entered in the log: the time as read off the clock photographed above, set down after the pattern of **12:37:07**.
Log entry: **7:16:02**
